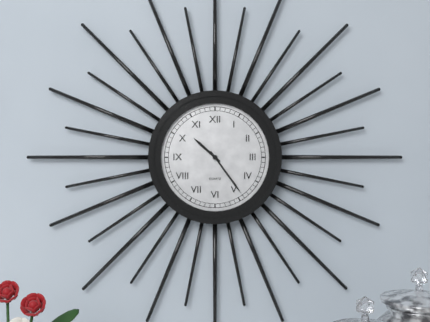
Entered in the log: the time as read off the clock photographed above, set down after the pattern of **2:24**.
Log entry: **10:24**
